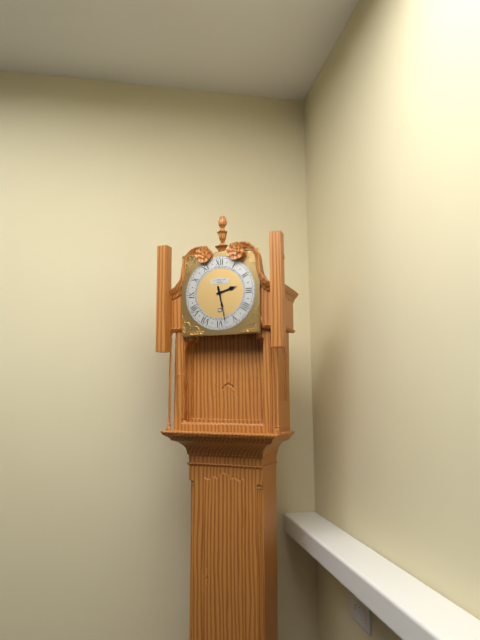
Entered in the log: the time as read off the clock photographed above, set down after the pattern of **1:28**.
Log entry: **2:28**
